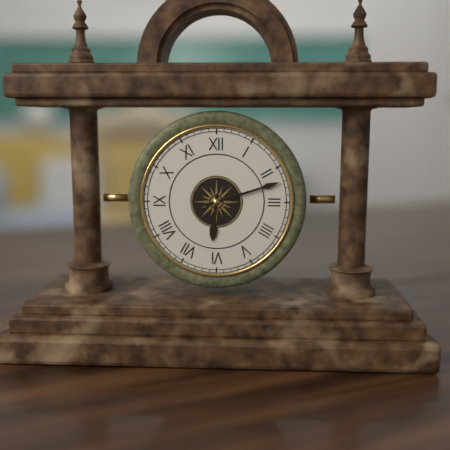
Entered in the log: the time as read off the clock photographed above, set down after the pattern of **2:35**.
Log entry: **6:12**
